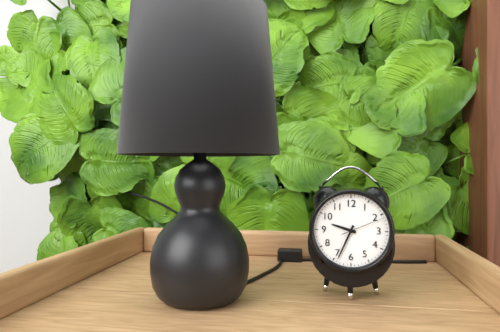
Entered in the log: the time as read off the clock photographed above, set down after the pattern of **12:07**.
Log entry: **9:34**
